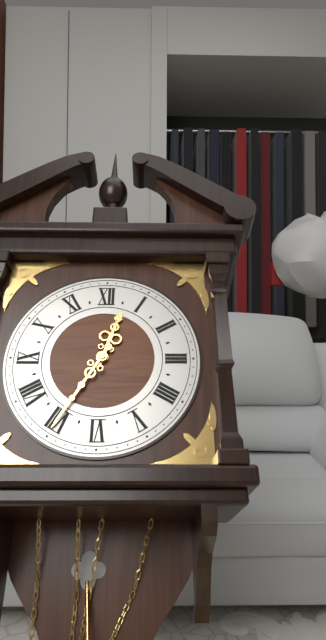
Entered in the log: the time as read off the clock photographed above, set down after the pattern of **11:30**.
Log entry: **12:35**
